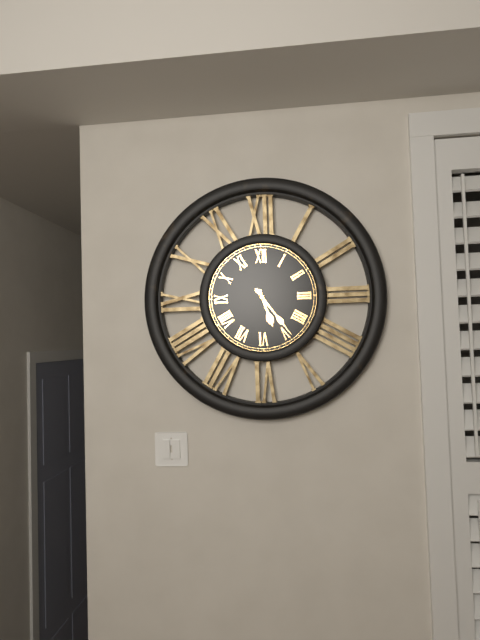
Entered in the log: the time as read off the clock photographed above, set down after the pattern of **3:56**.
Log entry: **5:24**
